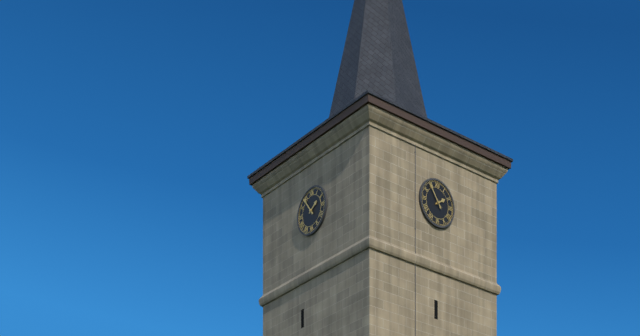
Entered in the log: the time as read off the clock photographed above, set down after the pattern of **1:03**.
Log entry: **1:54**
